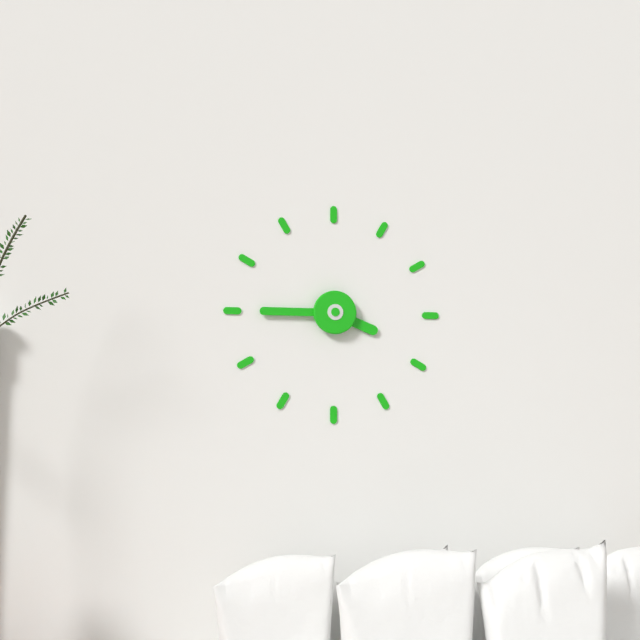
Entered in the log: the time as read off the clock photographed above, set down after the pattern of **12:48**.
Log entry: **3:45**
